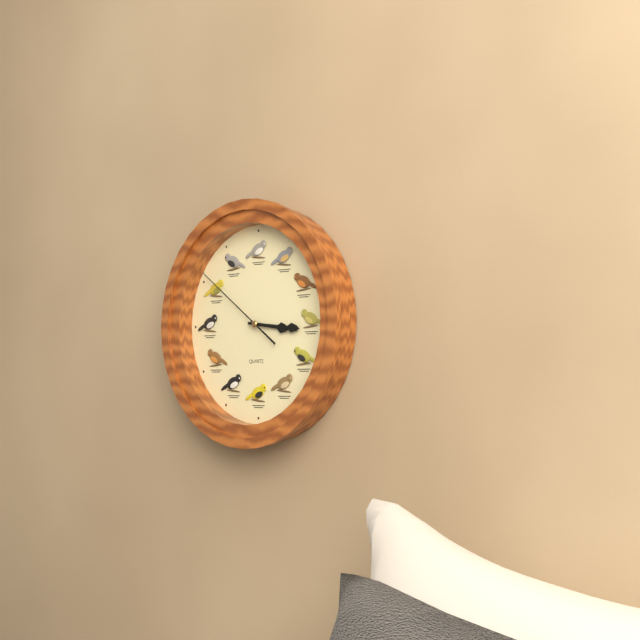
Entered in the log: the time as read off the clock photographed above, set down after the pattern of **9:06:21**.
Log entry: **3:16:51**
